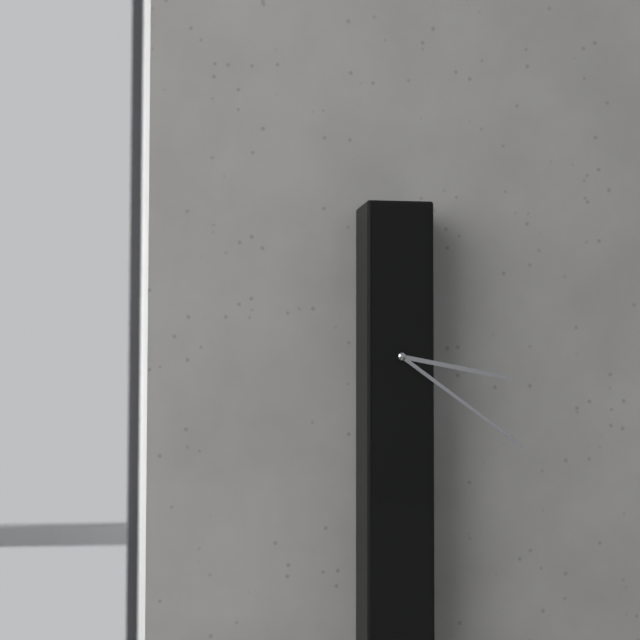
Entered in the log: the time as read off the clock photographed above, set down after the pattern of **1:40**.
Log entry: **3:21**
